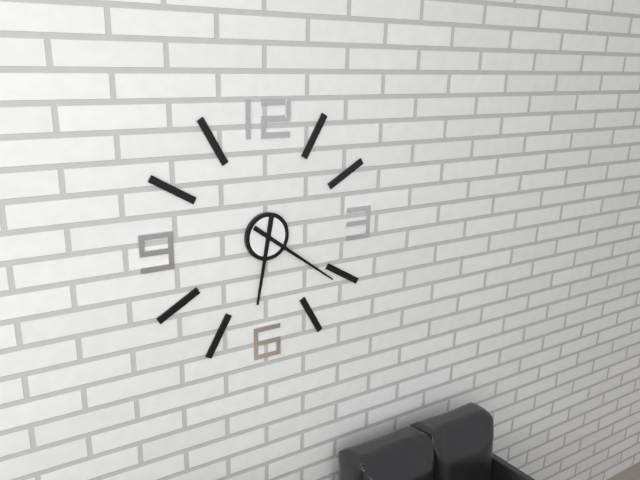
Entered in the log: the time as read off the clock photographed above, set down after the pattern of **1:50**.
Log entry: **6:21**
